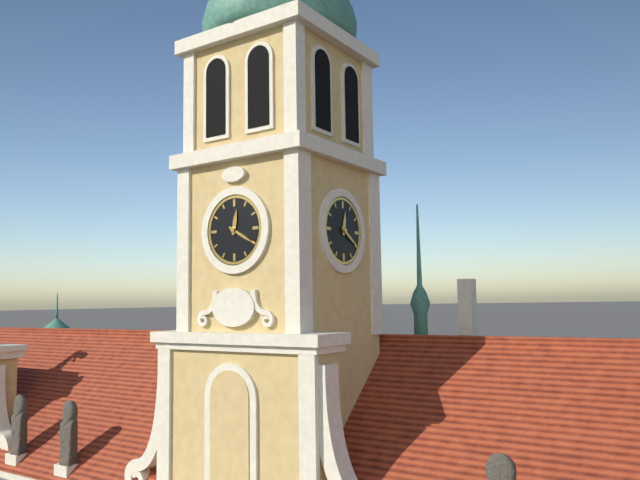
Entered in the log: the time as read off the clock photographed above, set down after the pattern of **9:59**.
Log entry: **12:20**
